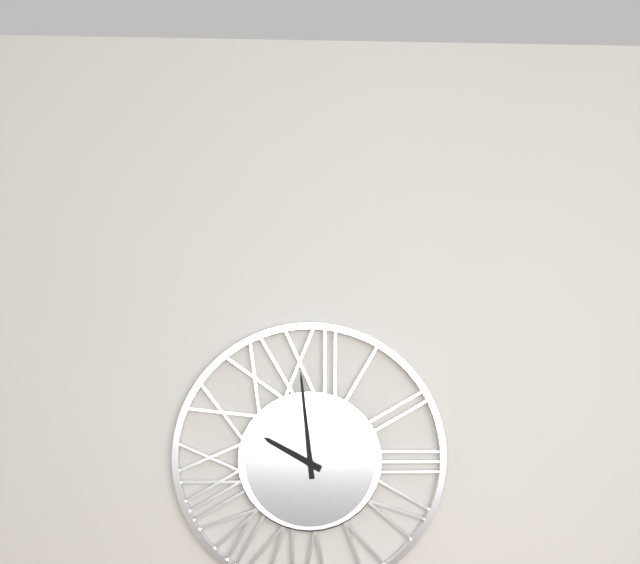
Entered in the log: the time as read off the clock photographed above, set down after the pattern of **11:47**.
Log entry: **9:59**
